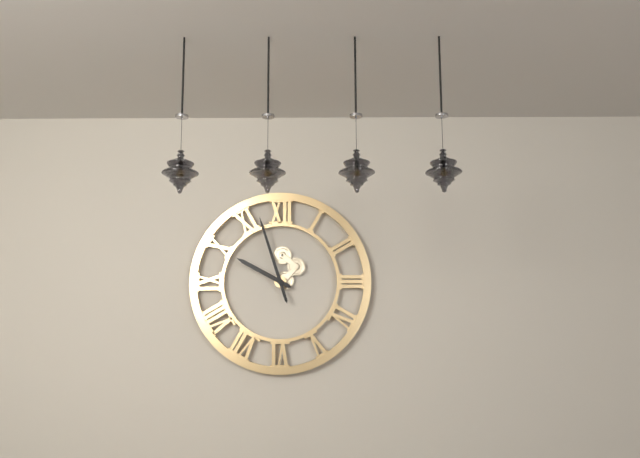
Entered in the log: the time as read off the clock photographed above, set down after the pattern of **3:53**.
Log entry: **9:57**
